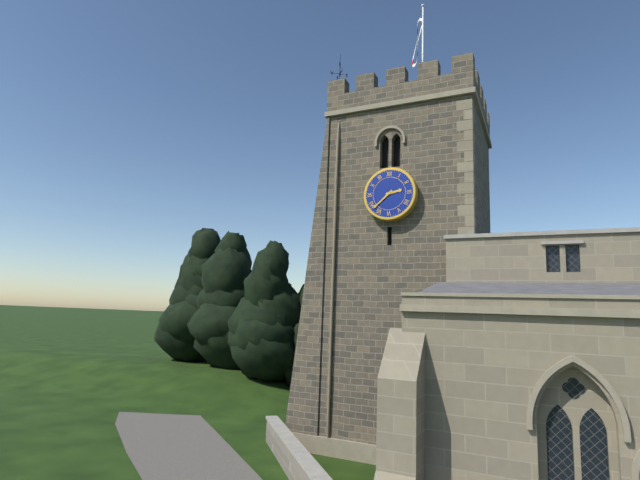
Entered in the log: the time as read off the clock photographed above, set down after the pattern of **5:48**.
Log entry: **2:38**
